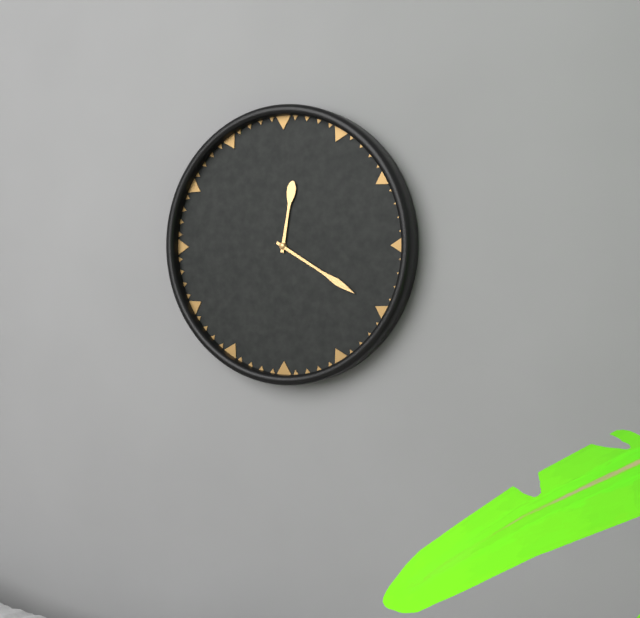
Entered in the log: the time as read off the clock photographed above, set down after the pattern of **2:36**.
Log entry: **12:20**
